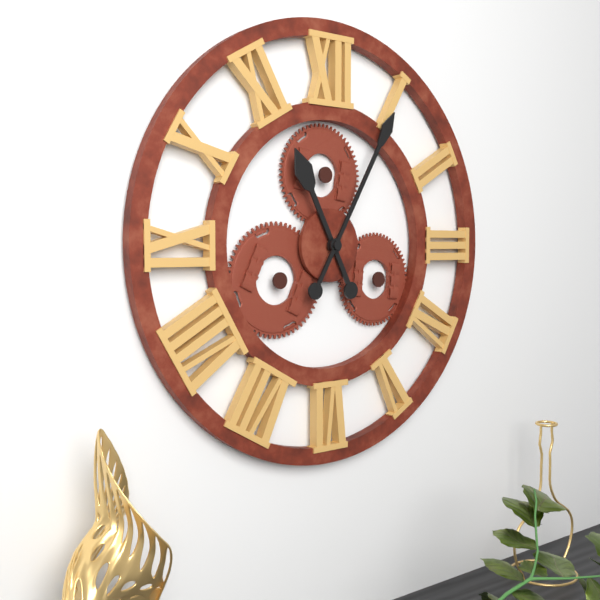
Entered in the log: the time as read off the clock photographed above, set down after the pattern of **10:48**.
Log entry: **11:05**
